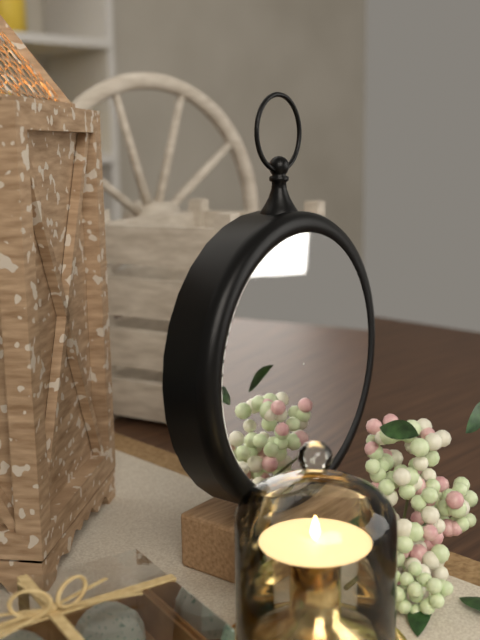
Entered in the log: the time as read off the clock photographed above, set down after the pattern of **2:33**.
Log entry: **7:55**
